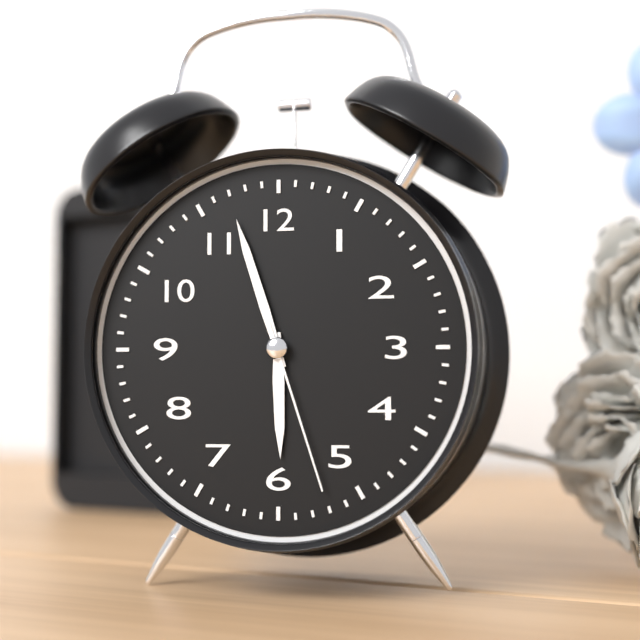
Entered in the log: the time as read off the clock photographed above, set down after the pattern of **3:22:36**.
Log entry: **5:57:27**
